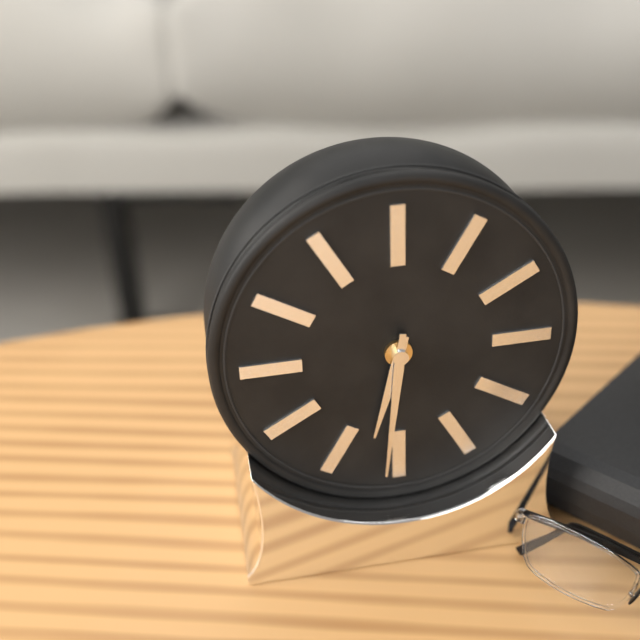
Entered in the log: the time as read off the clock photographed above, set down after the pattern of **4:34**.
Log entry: **6:31**
